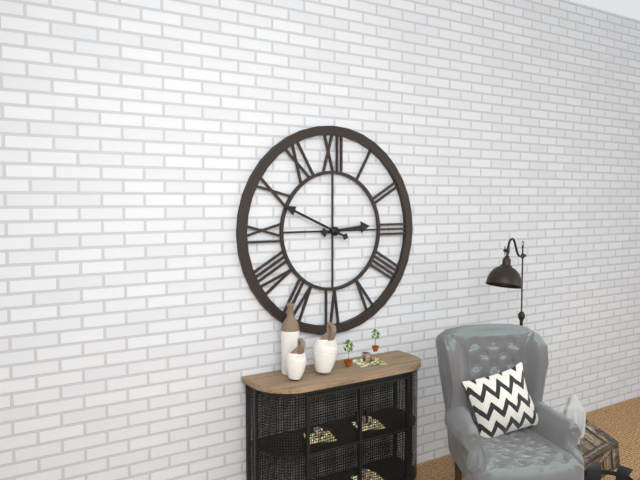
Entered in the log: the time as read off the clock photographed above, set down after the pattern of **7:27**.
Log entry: **2:49**
